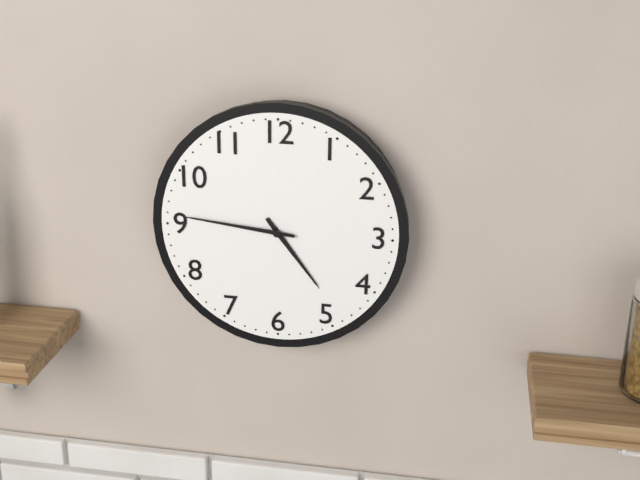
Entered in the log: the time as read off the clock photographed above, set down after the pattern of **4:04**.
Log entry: **4:46**
